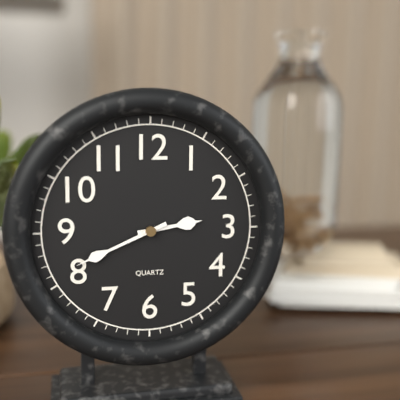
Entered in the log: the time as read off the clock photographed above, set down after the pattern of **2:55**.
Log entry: **2:41**
